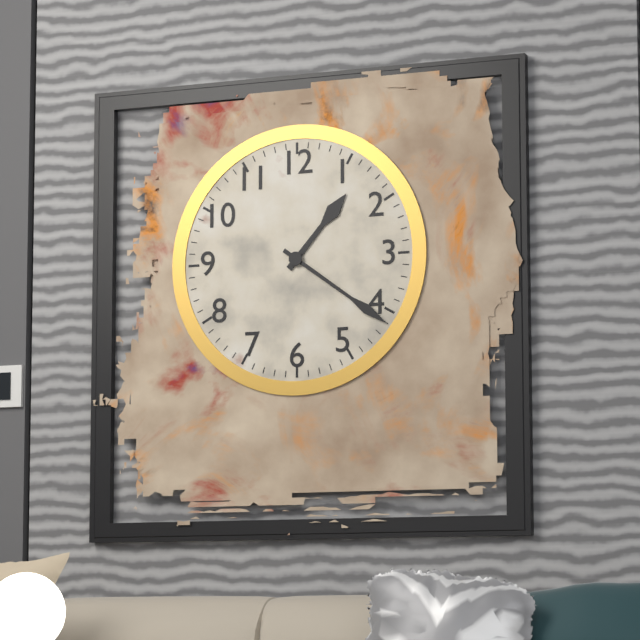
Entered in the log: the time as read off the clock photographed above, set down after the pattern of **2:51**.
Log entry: **1:21**
